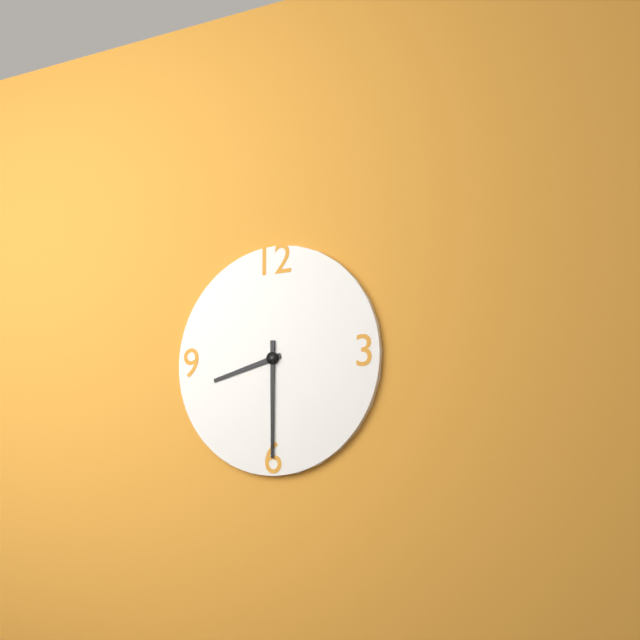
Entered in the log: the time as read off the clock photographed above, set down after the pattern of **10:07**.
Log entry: **8:30**
